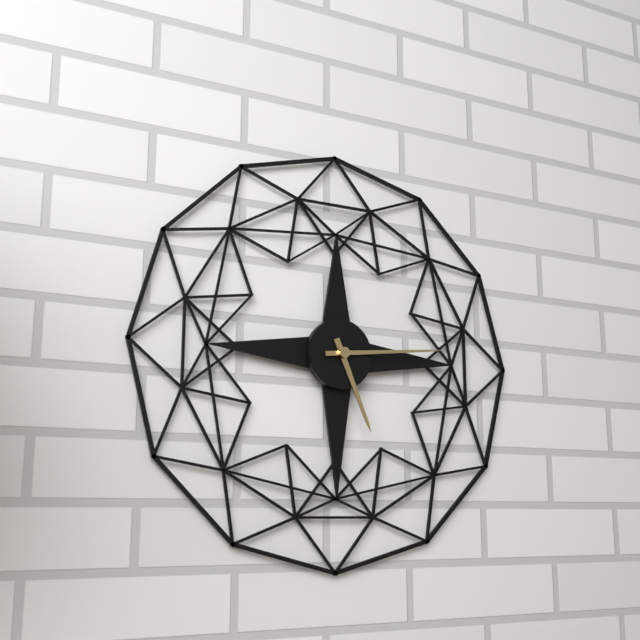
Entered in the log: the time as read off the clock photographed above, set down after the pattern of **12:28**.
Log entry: **5:14**
